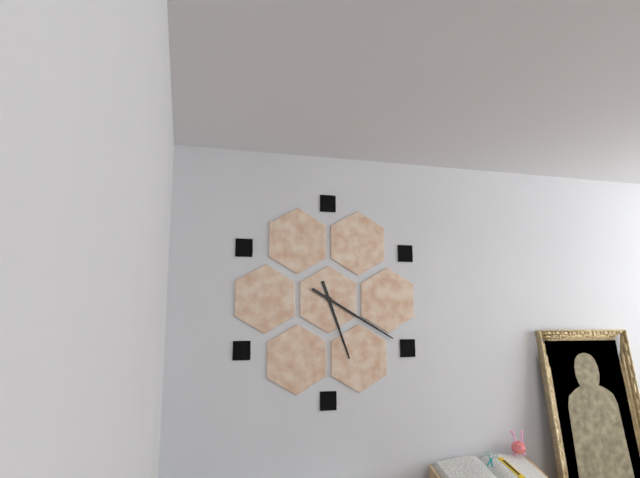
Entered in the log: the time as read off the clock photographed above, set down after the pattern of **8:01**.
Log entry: **5:20**
